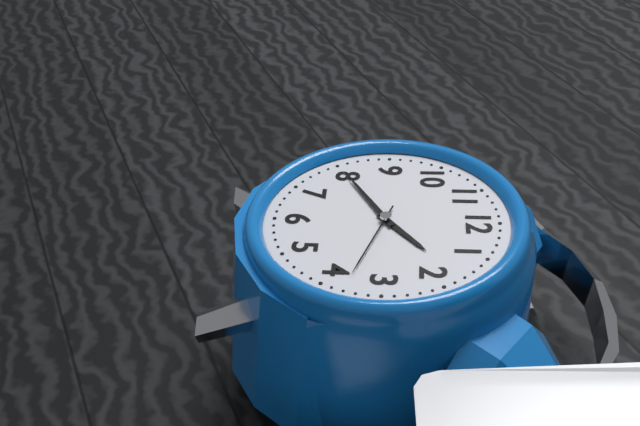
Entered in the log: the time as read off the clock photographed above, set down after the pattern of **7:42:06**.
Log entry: **1:40:18**
